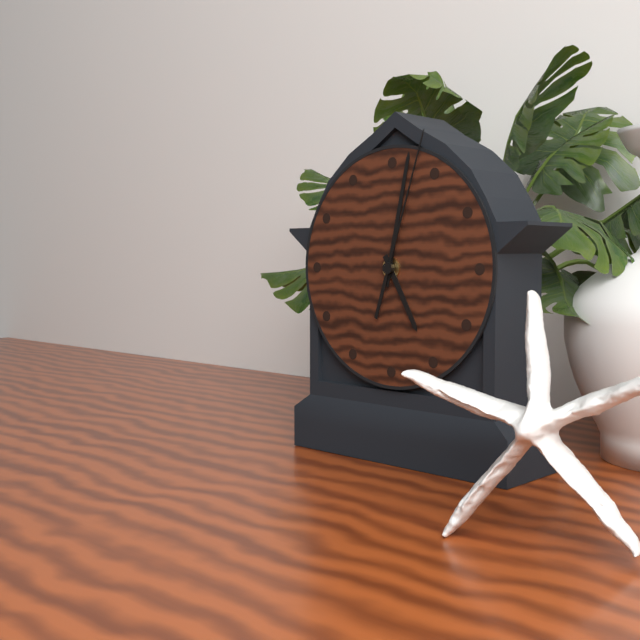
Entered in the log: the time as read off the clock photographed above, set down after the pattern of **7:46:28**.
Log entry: **5:02:03**
